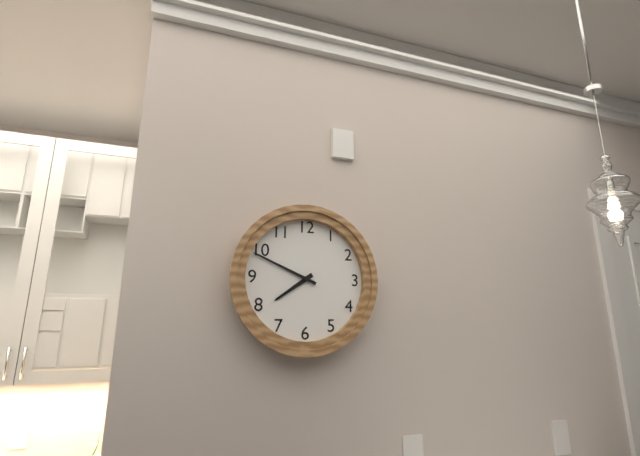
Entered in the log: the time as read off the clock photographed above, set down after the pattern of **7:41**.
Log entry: **7:49**
